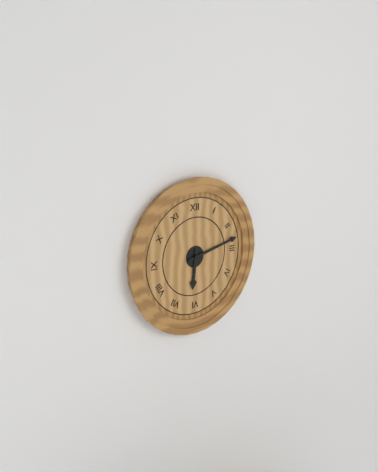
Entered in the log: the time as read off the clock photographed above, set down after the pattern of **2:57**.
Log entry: **6:13**
